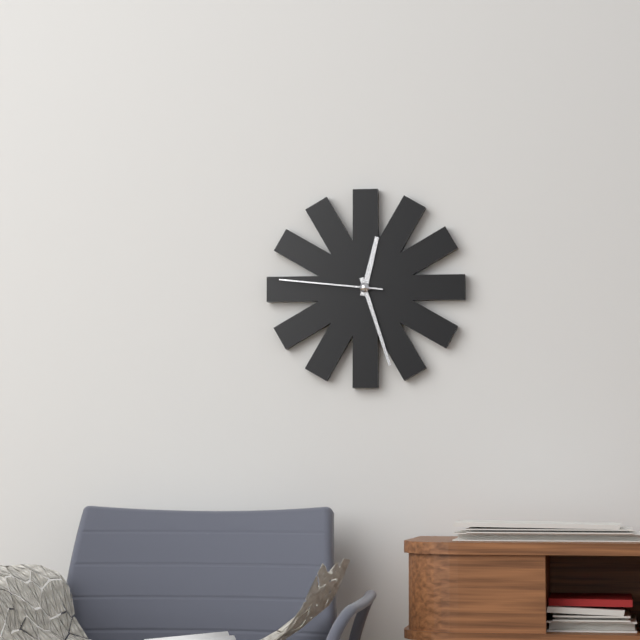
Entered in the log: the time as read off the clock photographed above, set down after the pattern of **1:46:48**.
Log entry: **12:27:46**
